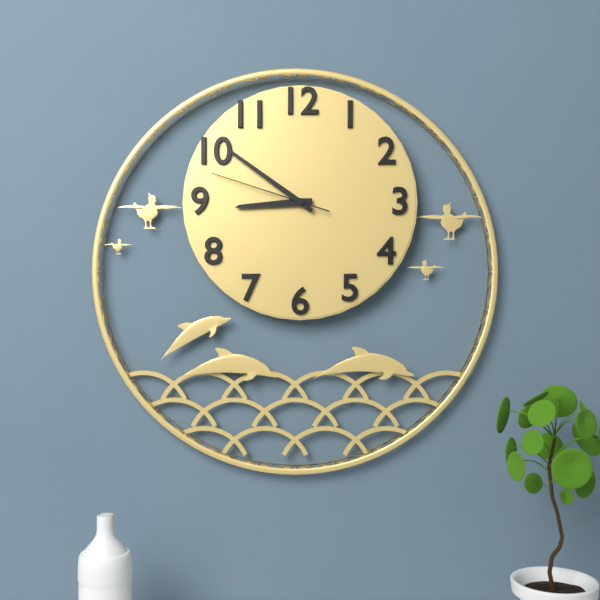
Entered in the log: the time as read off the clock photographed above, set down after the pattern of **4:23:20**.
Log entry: **8:51:48**
